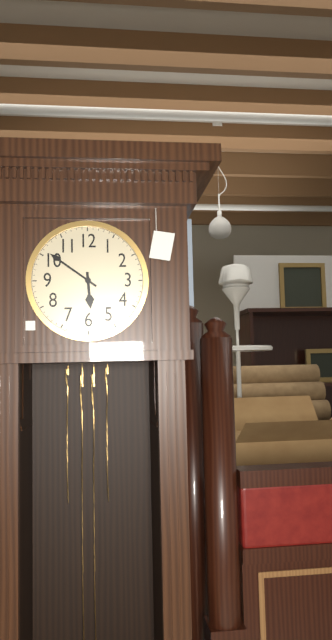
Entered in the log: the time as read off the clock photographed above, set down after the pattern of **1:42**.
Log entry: **5:51**
